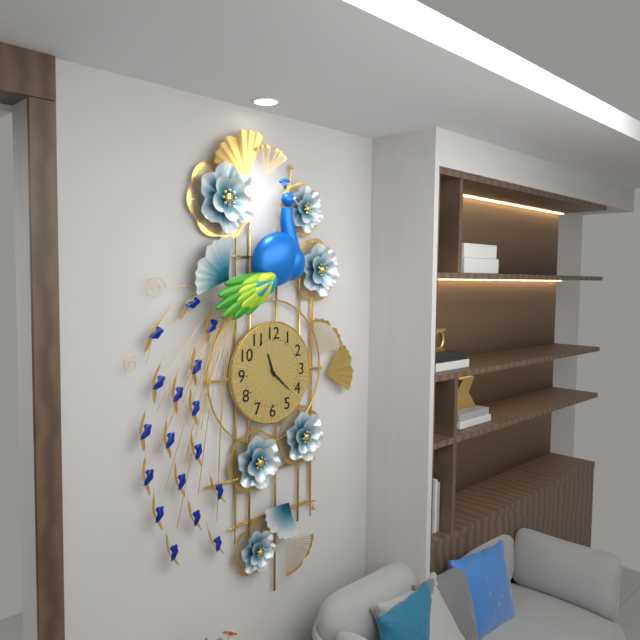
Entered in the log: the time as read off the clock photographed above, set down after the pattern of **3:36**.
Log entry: **11:22**
